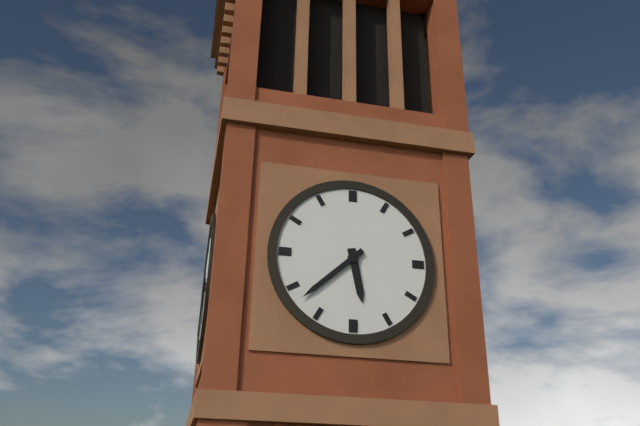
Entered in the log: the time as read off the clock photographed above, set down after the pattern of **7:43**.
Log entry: **5:38**
